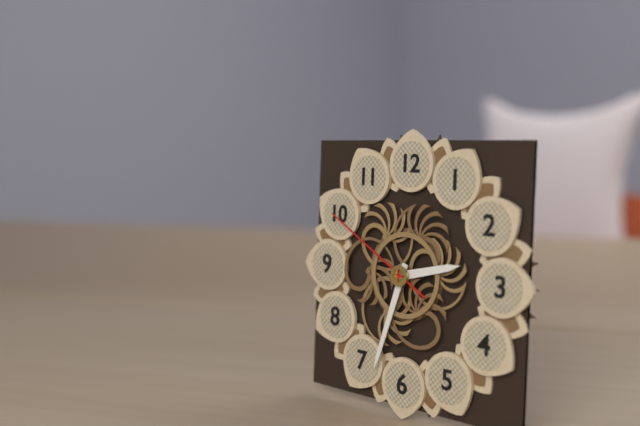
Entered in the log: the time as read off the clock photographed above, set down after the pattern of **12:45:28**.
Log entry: **2:33:50**
